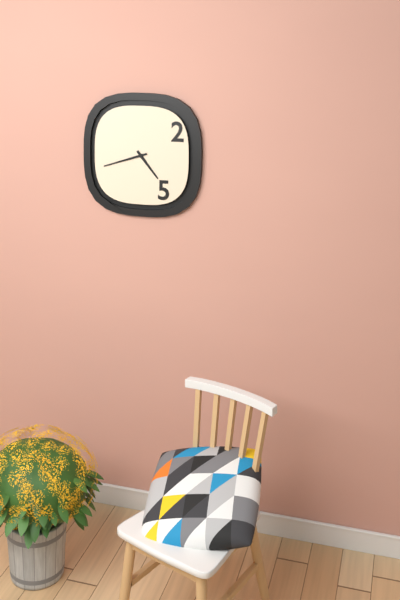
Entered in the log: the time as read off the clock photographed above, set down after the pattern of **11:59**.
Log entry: **4:42**
